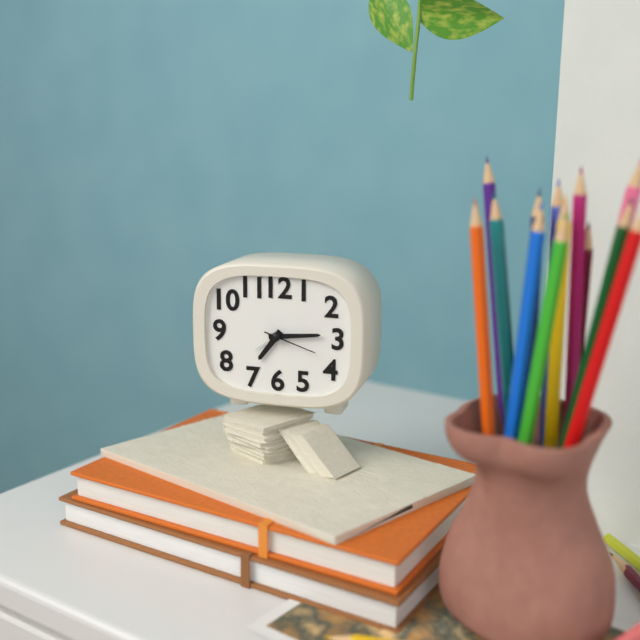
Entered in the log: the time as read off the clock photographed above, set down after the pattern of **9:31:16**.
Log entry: **7:14:18**
